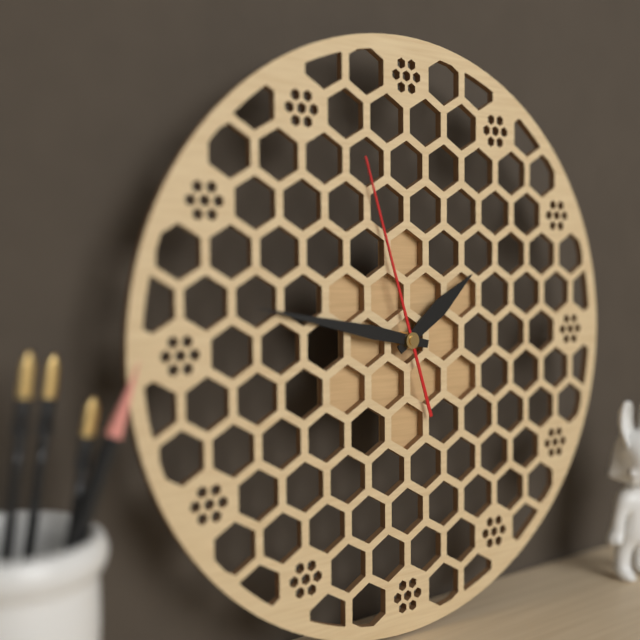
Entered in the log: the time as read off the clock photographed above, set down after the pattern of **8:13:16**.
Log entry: **1:47:57**
